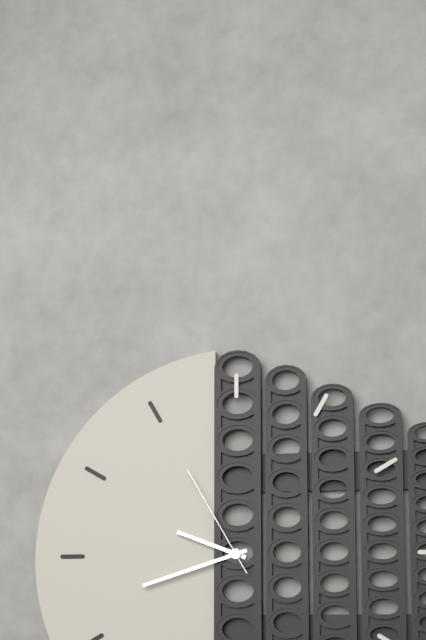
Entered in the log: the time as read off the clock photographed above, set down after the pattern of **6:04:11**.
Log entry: **9:42:55**
